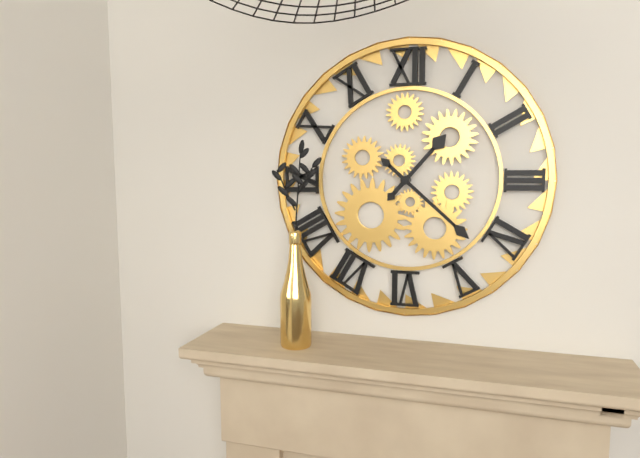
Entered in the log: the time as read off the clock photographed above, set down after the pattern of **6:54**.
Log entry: **1:22**
